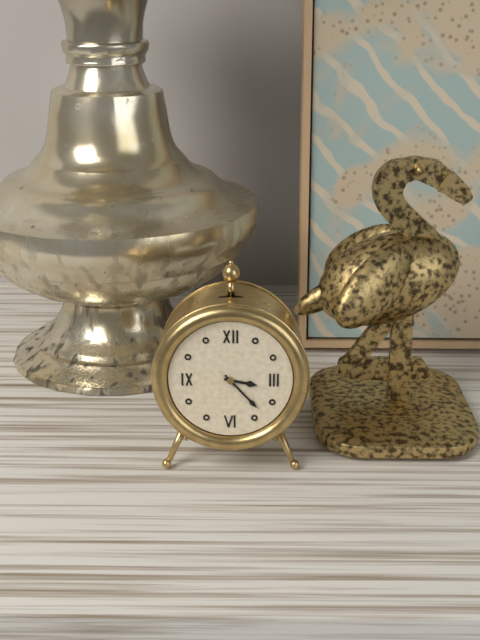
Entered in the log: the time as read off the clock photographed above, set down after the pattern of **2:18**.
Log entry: **3:23**
